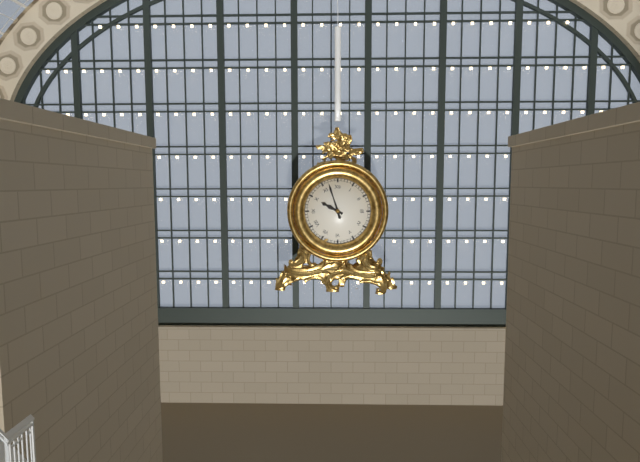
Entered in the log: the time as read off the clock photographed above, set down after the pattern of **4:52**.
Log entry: **9:57**
